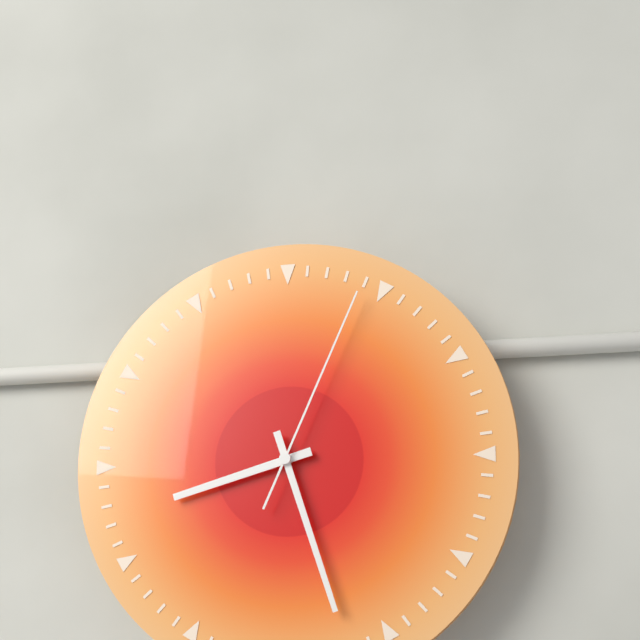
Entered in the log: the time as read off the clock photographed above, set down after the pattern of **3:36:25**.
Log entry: **8:27:04**
